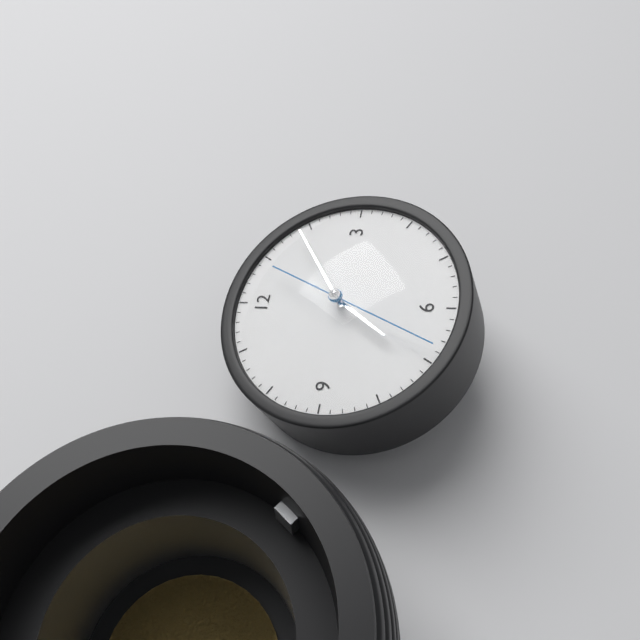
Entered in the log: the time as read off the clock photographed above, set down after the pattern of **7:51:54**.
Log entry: **7:09:34**
